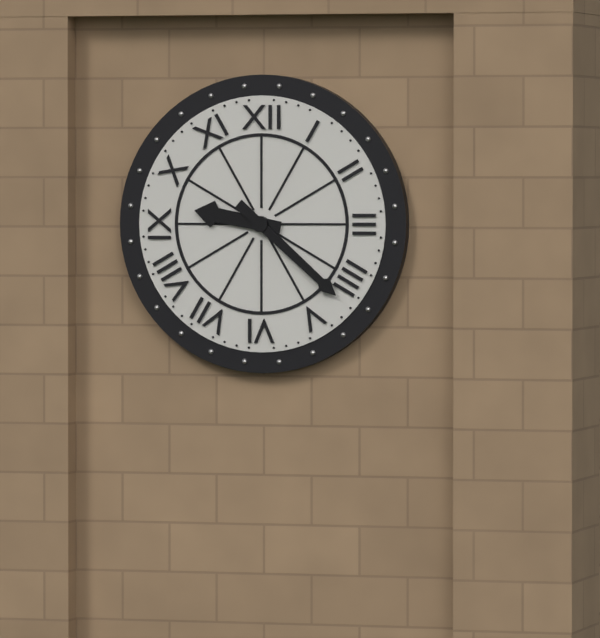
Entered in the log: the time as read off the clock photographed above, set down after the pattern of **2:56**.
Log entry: **9:22**
